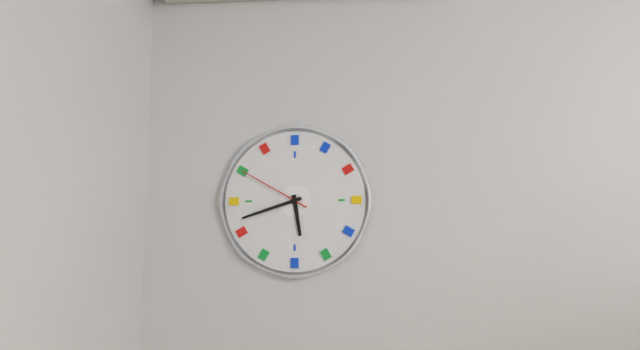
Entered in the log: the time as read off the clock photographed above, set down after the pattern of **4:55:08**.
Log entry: **5:42:50**
